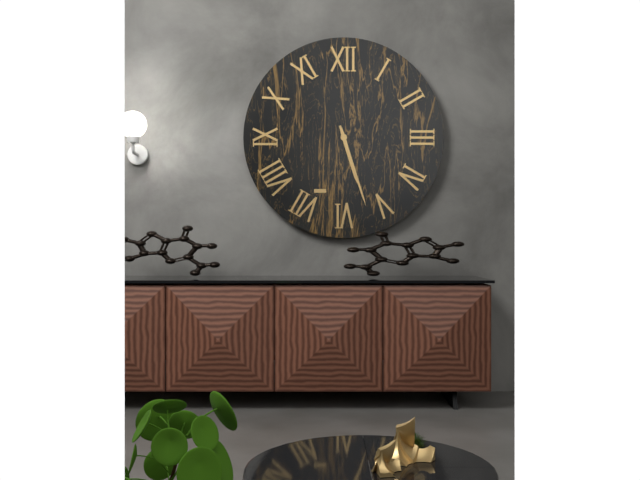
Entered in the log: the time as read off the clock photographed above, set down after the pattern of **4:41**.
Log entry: **5:27**
